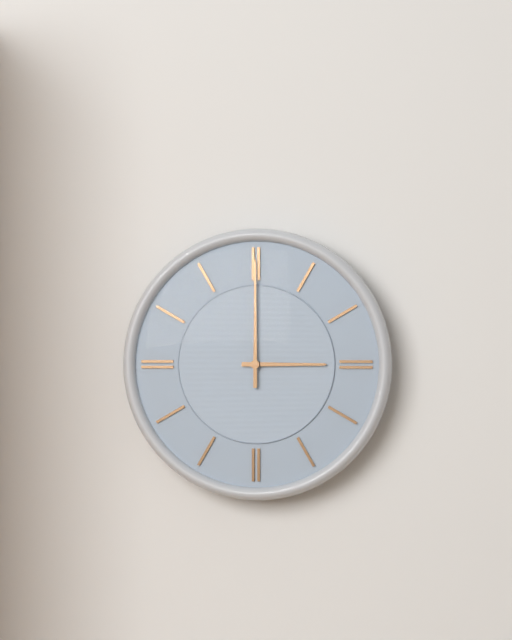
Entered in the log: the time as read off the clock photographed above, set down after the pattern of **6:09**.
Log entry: **3:00**
